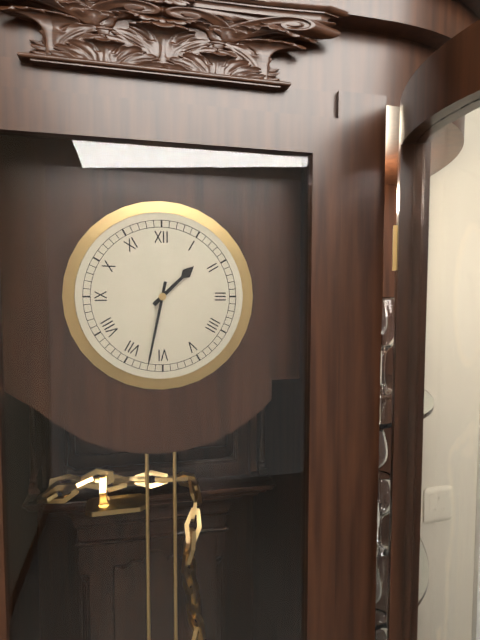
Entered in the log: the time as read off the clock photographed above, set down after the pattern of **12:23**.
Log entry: **1:32**
